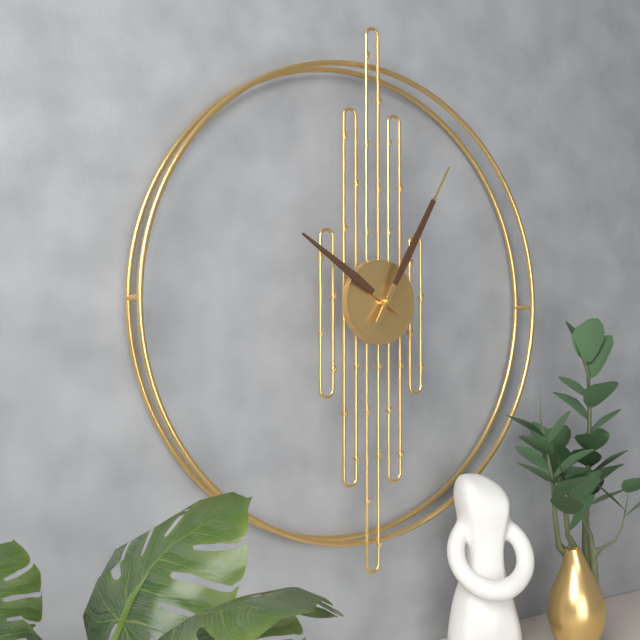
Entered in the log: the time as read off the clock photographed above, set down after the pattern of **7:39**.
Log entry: **10:05**
